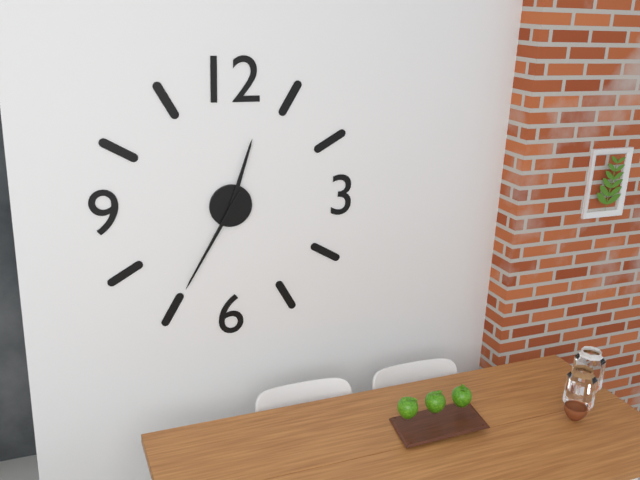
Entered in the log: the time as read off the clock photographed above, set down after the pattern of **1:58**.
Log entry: **12:35**
